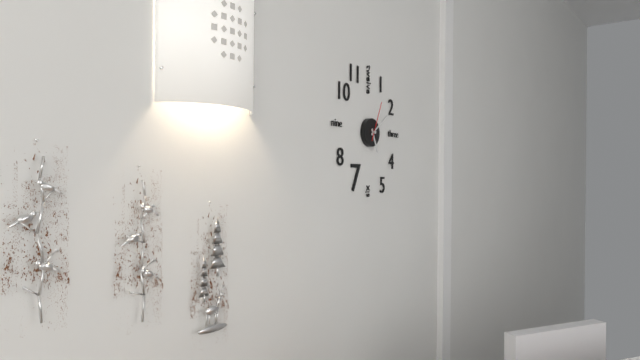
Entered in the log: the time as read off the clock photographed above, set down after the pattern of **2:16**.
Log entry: **5:09**
